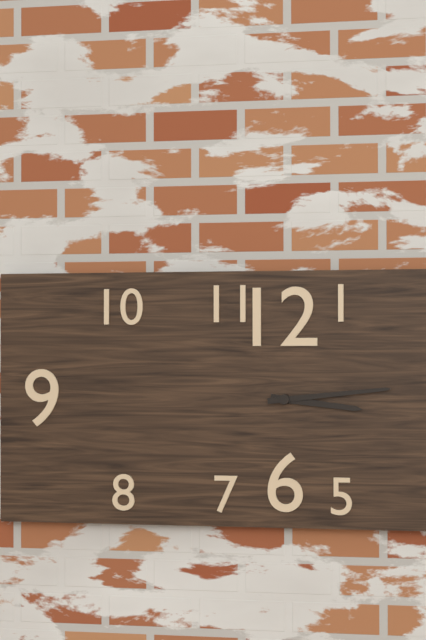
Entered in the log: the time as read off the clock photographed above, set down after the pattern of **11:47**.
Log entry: **3:14**
